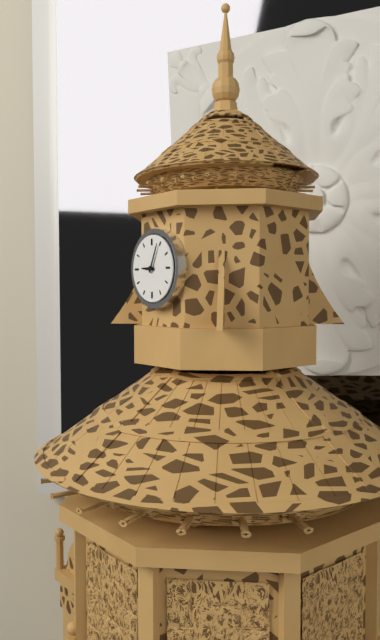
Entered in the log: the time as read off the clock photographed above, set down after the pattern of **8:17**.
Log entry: **9:04**
